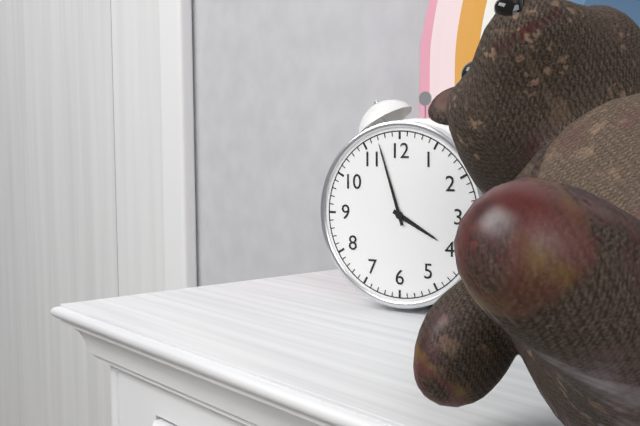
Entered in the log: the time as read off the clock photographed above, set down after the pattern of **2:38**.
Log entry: **3:57**
